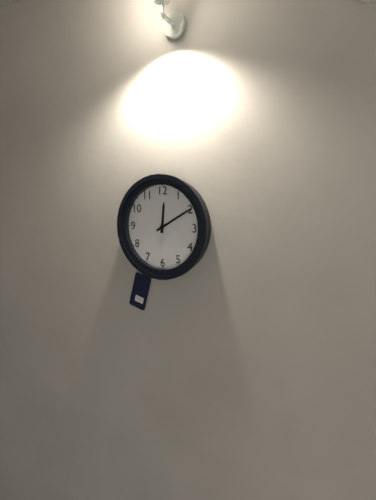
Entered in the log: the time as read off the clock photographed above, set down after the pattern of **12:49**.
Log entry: **12:10**
